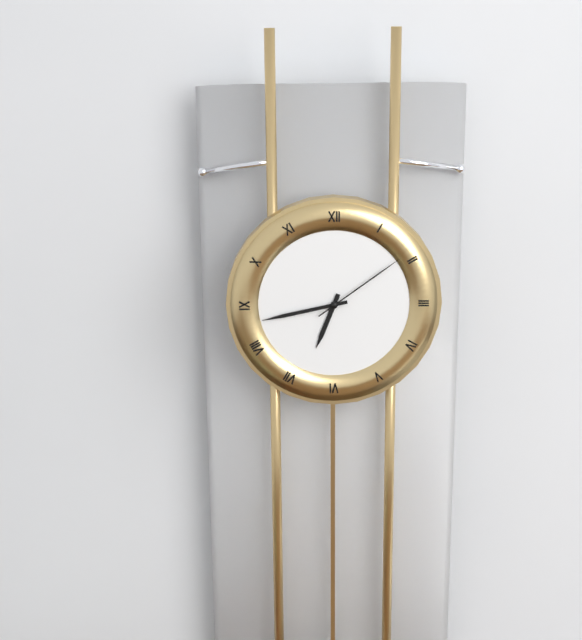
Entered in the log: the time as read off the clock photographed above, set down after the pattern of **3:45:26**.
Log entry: **6:43:09**
